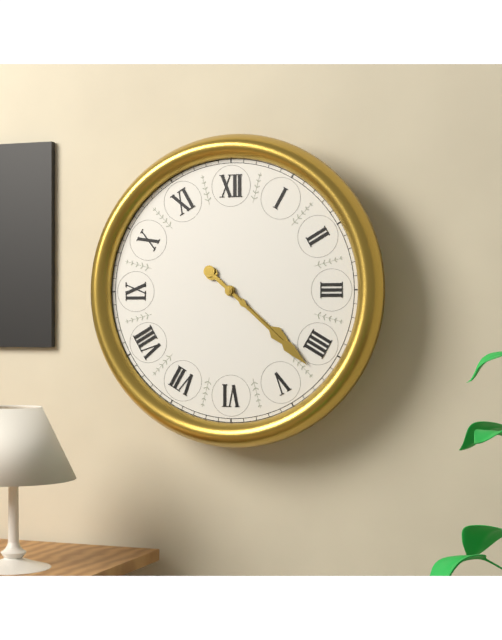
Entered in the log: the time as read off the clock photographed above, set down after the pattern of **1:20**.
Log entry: **4:22**
